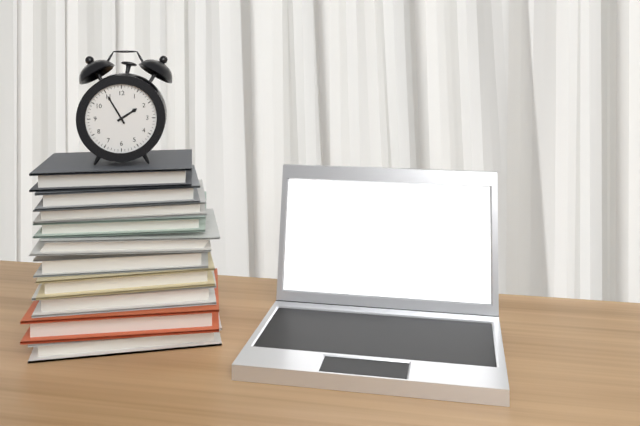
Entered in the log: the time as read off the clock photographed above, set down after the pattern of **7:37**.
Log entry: **1:55**
